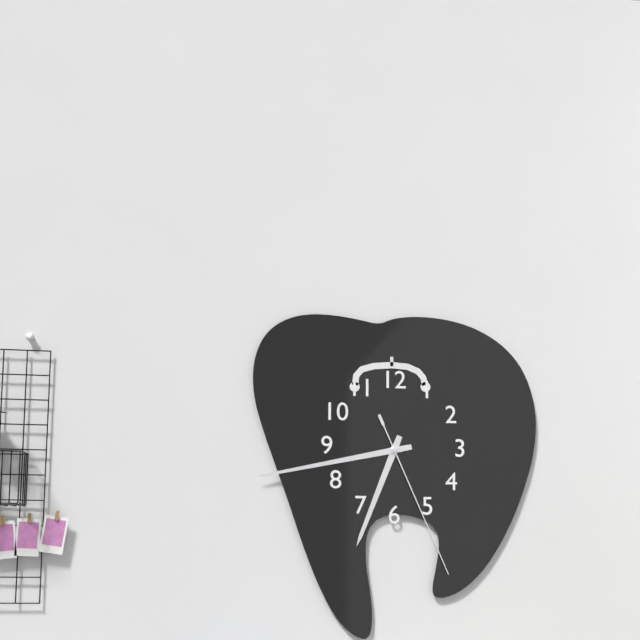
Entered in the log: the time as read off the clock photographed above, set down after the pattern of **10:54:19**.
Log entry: **6:43:26**
